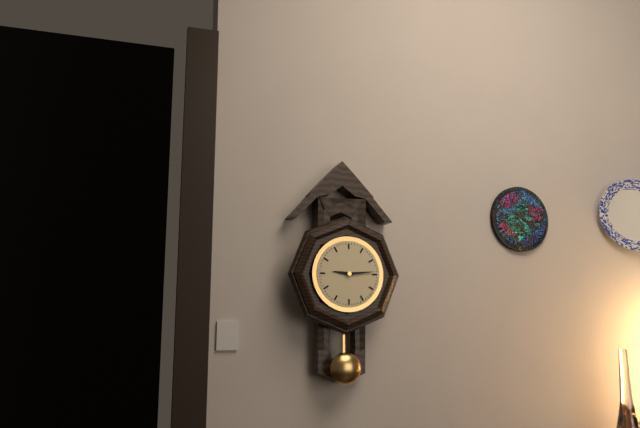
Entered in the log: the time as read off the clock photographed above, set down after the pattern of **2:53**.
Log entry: **9:14**
